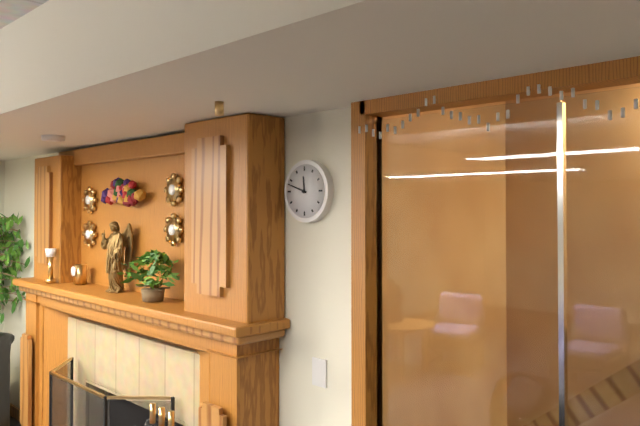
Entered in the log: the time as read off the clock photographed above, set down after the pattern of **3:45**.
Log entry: **11:48**
